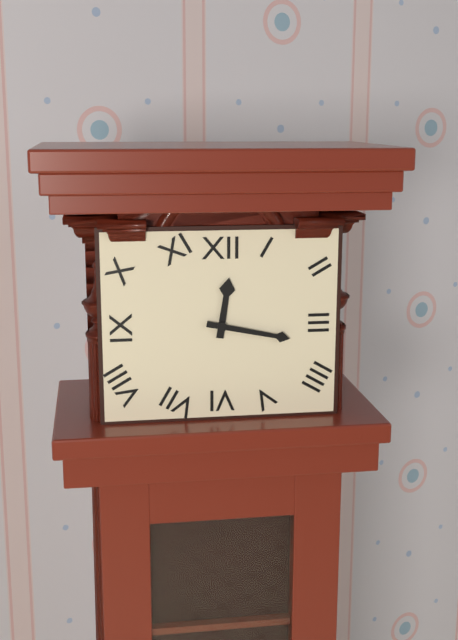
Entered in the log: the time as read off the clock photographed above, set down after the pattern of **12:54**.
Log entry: **12:17**
